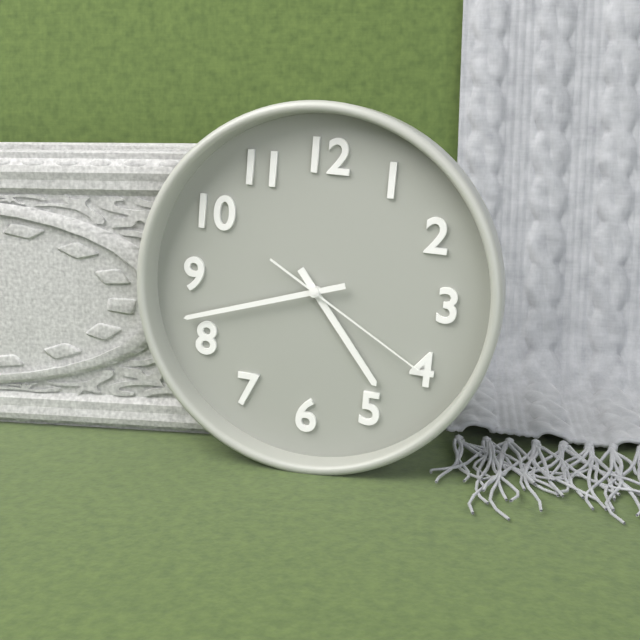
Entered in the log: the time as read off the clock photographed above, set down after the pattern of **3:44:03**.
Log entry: **4:42:20**
